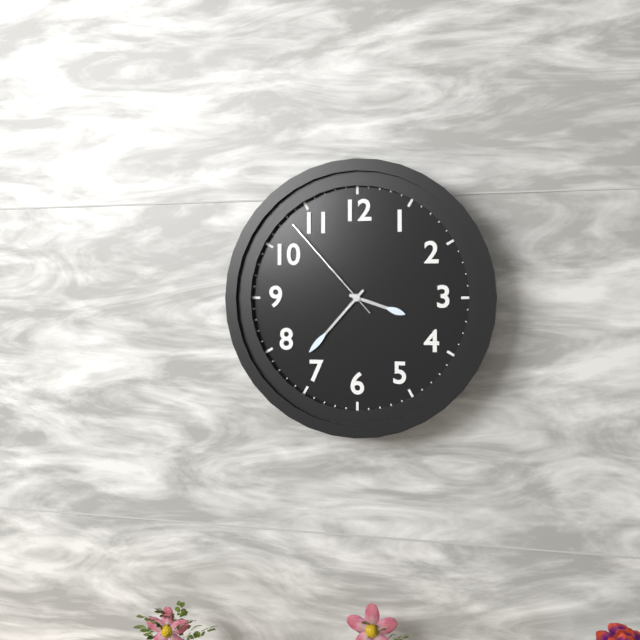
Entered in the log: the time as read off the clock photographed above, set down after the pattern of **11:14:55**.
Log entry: **3:37:53**
